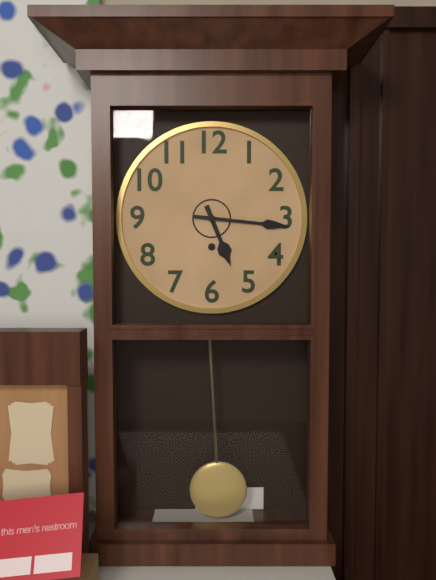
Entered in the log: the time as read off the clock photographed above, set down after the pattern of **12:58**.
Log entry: **5:16**
